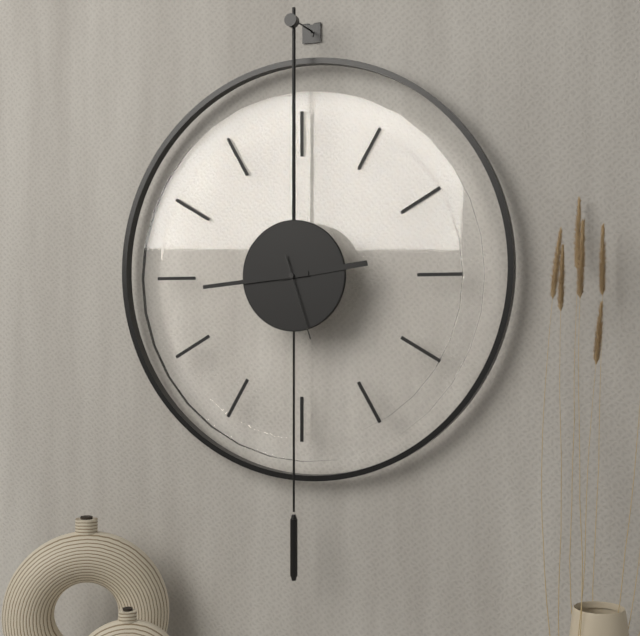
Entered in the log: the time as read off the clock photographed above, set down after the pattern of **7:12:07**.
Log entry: **2:44:27**
